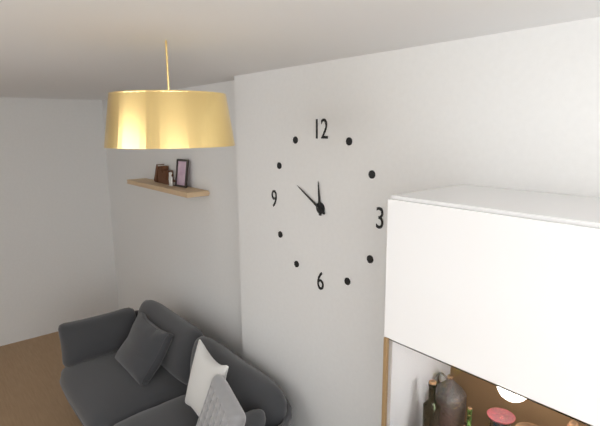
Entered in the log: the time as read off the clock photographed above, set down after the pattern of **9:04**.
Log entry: **11:50**
